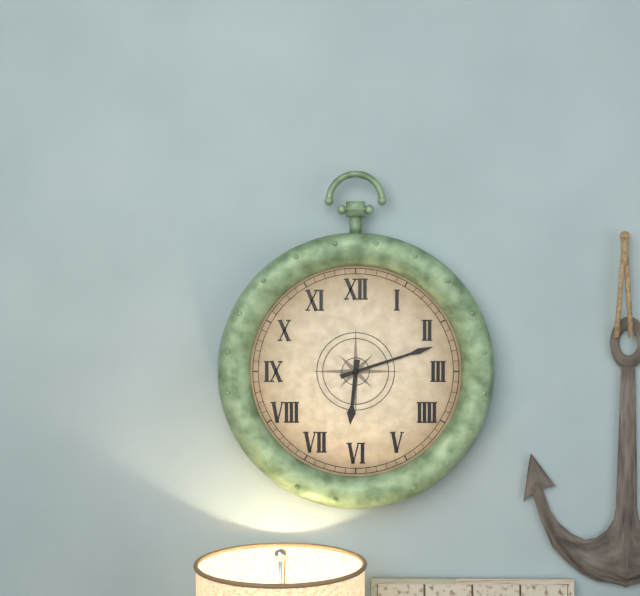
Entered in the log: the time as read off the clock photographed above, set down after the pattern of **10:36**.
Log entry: **6:12**
